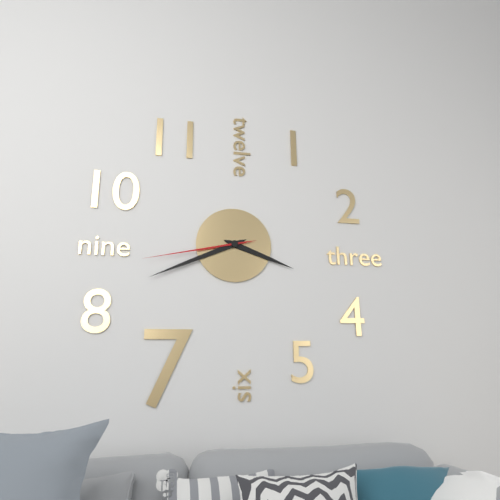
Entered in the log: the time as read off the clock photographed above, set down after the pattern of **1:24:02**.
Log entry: **3:41:43**
